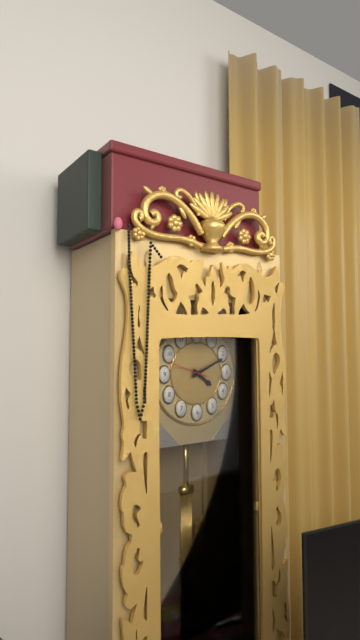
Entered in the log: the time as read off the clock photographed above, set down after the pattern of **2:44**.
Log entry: **4:11**
